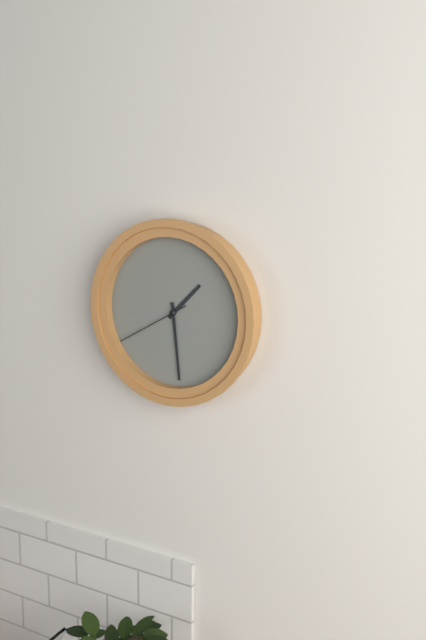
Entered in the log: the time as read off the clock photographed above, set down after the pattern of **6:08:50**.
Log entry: **1:29:40**
